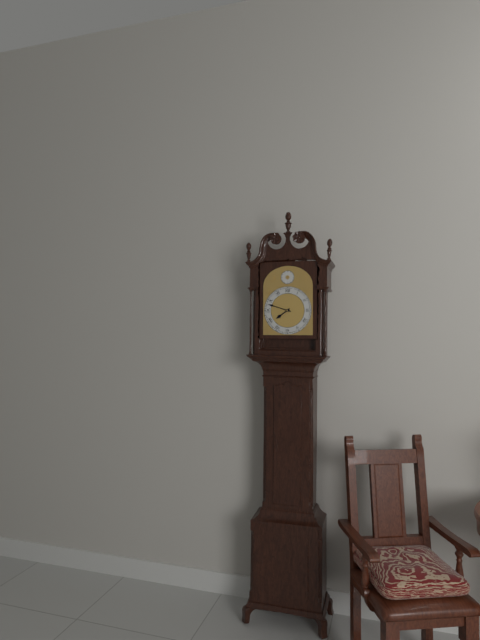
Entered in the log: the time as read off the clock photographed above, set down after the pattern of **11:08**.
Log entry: **7:48**
